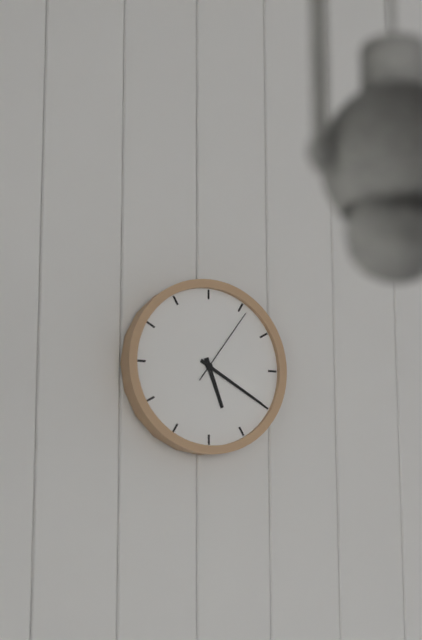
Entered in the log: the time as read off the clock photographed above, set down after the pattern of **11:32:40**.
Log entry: **5:20:06**
